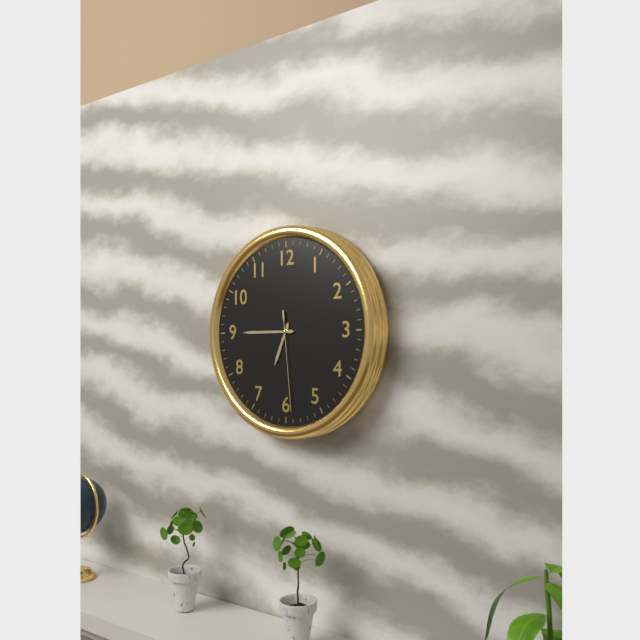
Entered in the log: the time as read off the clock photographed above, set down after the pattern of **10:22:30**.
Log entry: **6:45:29**
